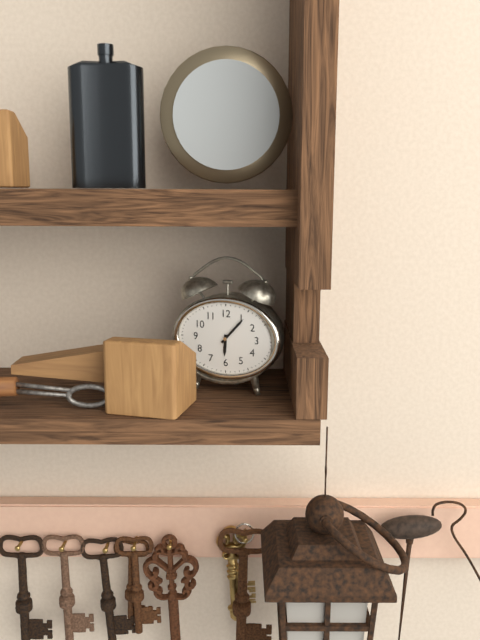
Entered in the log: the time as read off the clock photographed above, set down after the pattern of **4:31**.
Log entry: **6:07**
